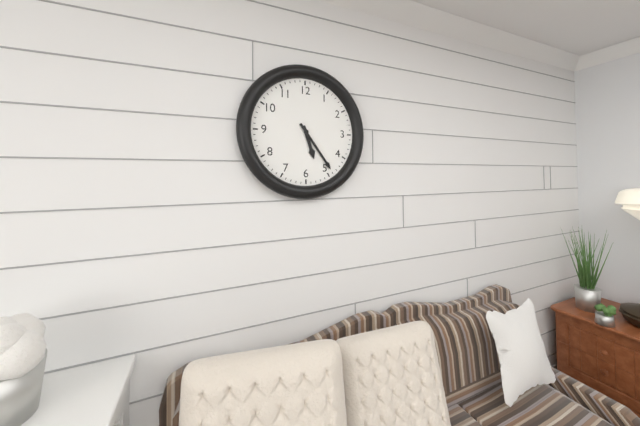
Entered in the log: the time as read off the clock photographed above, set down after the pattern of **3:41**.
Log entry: **5:24**
